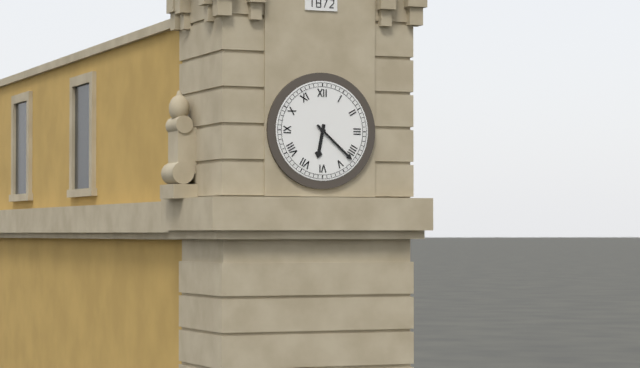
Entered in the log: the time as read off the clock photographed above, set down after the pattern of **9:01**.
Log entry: **6:22**
